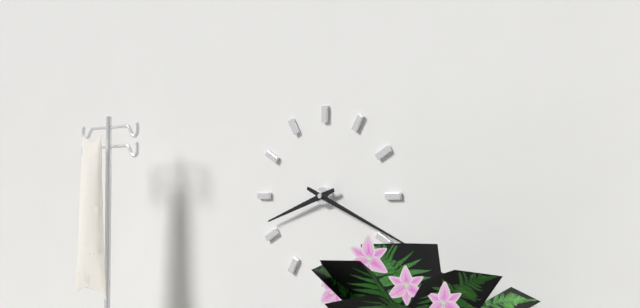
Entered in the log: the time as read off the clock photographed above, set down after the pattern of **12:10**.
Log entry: **8:19**
